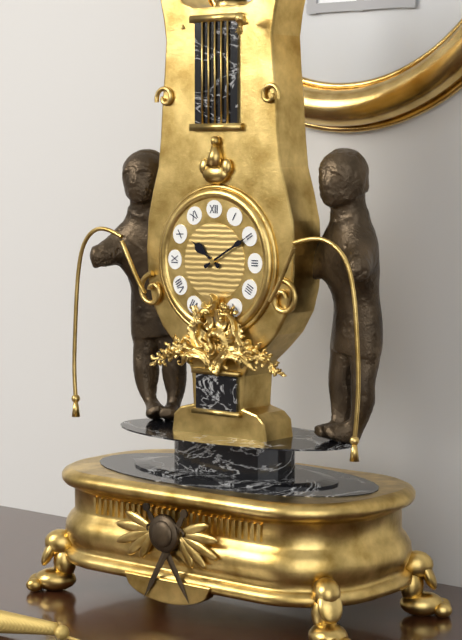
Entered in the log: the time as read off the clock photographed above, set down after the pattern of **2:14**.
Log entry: **10:10**
